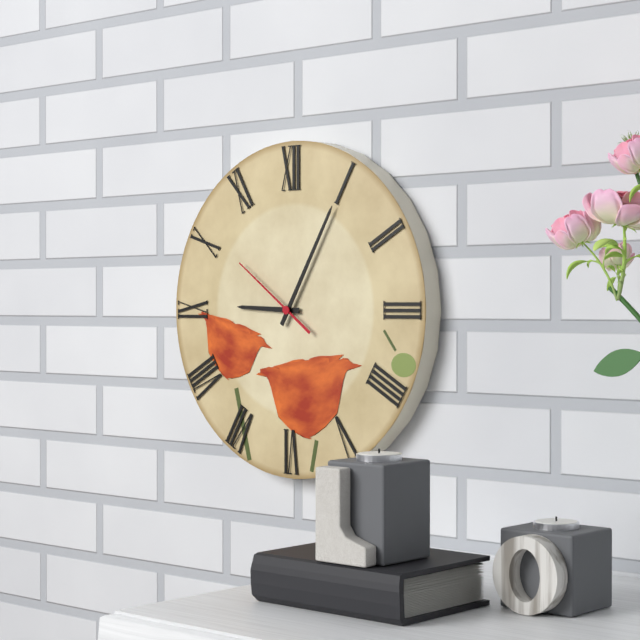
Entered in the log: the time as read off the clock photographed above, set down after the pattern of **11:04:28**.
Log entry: **9:05:51**
